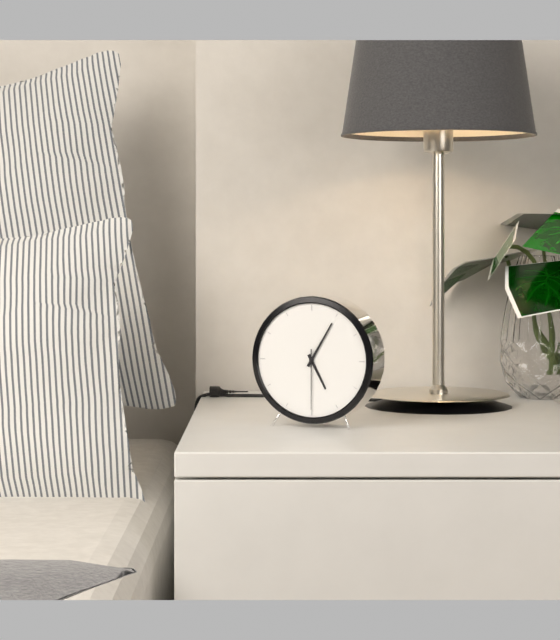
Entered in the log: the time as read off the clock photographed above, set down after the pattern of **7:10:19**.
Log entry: **5:05:30**
